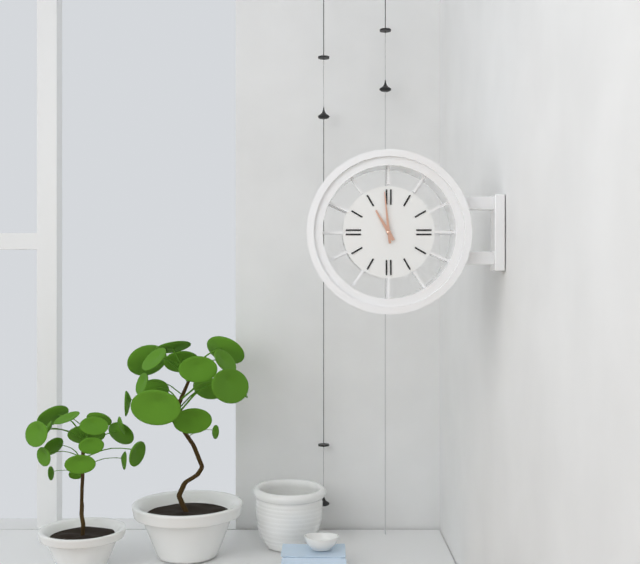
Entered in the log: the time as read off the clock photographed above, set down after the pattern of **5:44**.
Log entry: **10:59**
